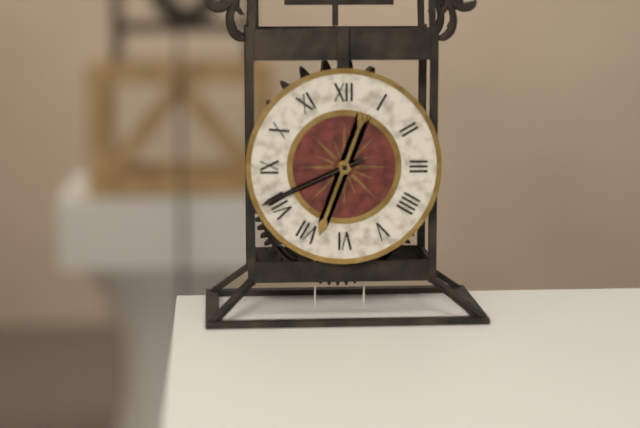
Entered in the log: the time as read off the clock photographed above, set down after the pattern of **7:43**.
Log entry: **6:41**
